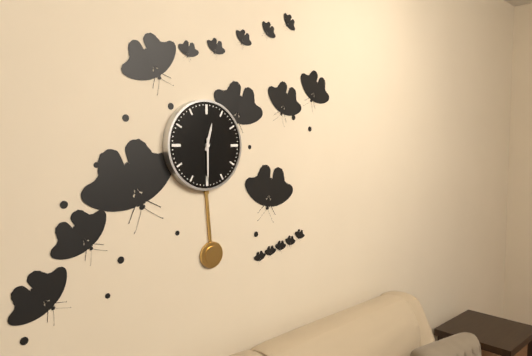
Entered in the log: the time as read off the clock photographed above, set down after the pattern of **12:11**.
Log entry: **12:30**
